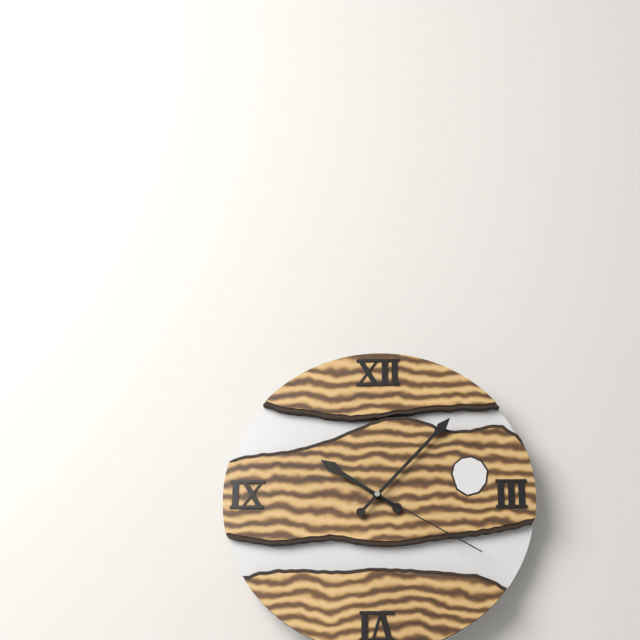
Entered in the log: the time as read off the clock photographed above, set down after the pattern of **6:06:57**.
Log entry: **10:07:20**
